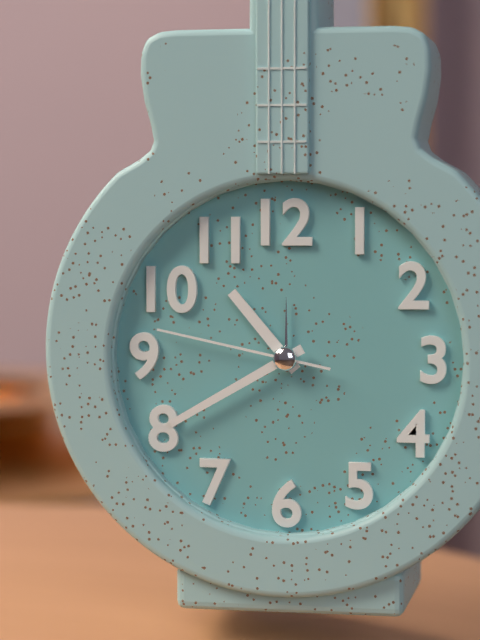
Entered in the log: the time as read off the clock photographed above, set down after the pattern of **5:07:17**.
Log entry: **10:40:47**
